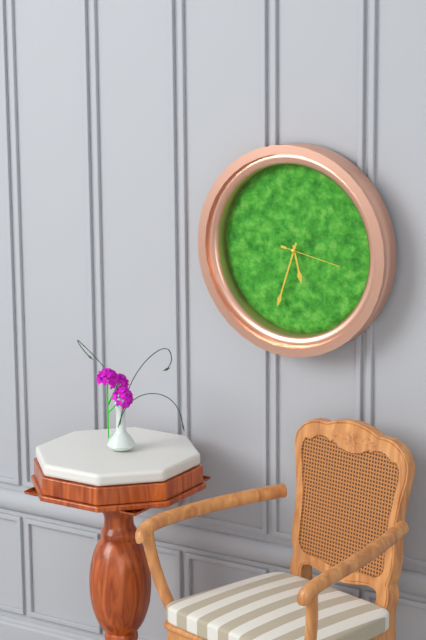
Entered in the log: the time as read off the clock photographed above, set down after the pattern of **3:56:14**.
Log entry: **5:33:17**
